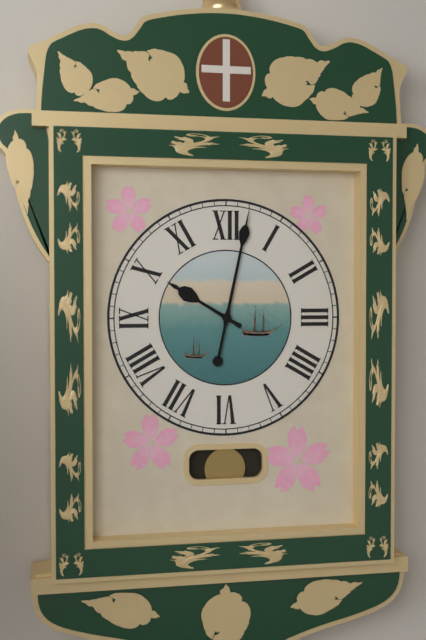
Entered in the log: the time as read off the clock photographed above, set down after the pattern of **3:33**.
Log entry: **10:02**
